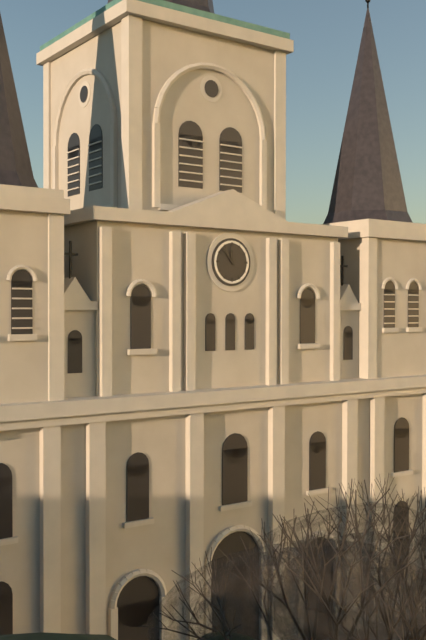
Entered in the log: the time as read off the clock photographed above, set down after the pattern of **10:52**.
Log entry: **11:53**
